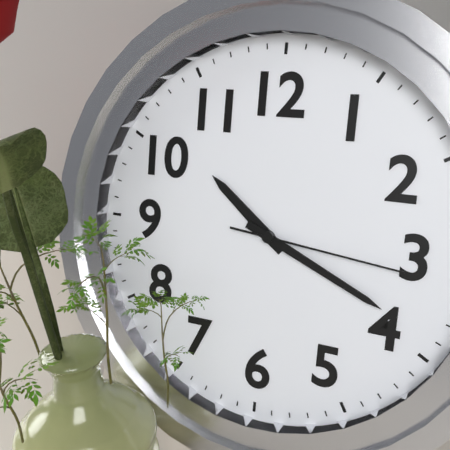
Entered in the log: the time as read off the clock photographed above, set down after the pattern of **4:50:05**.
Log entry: **10:19:16**
